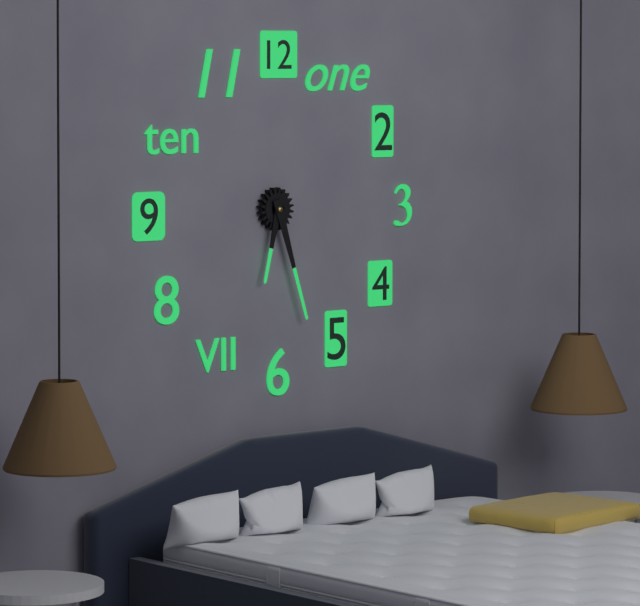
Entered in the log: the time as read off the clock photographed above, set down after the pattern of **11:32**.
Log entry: **6:27**
